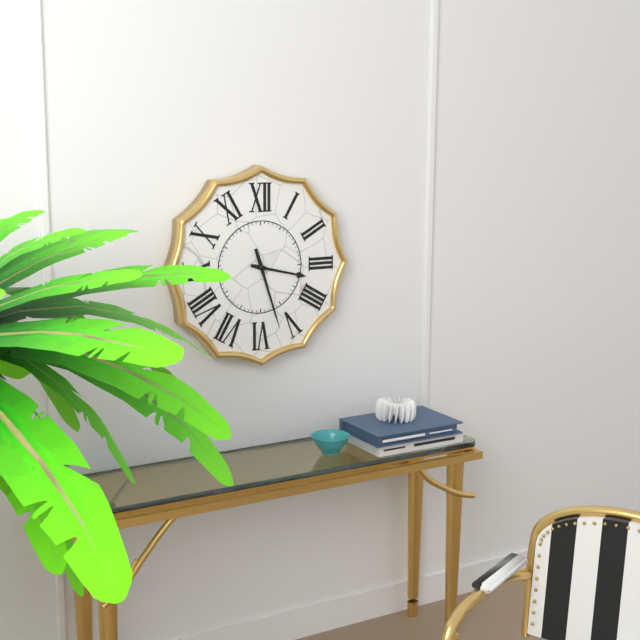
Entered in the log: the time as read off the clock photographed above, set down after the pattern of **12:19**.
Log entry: **3:27**
